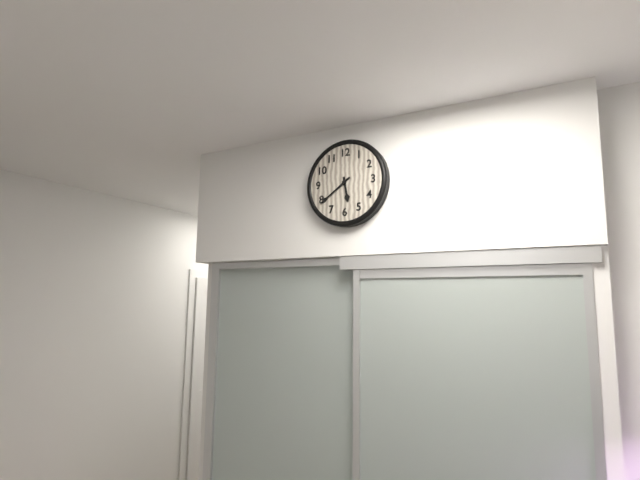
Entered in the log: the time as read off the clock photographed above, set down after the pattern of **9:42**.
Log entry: **5:39**
